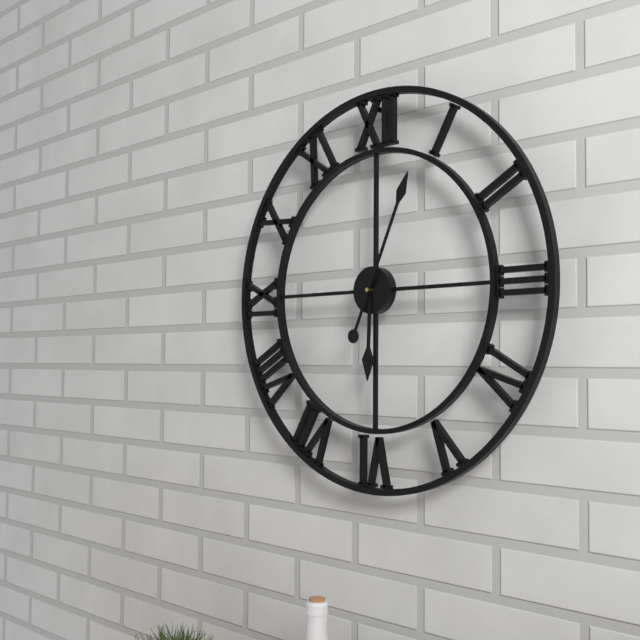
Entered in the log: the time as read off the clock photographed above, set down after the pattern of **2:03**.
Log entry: **6:04**
